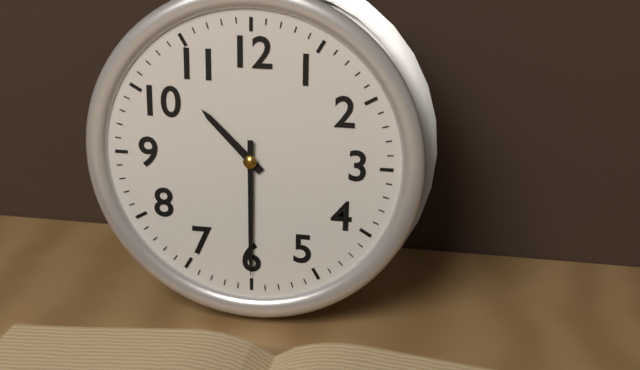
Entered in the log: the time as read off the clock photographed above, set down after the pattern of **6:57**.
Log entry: **10:30**
